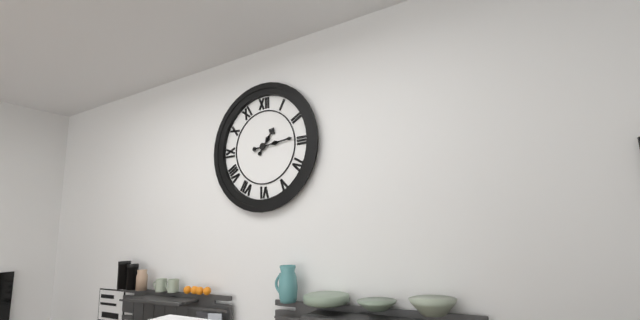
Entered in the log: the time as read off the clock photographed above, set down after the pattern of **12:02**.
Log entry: **1:14**
